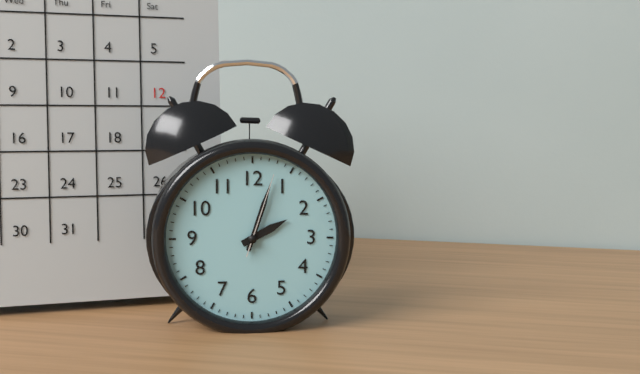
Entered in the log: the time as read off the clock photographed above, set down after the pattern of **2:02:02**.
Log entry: **2:03:03**
